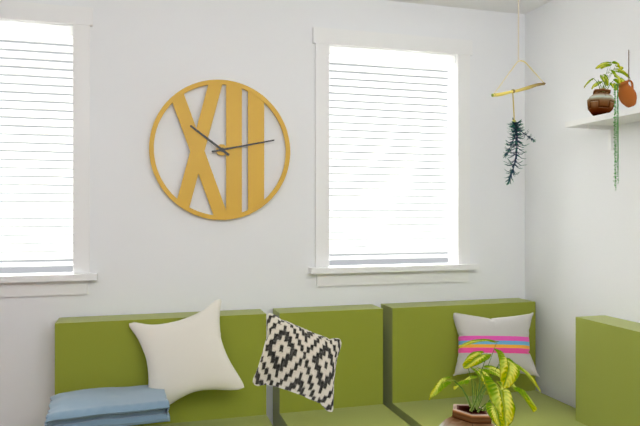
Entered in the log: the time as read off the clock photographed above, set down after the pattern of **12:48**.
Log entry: **10:13**
